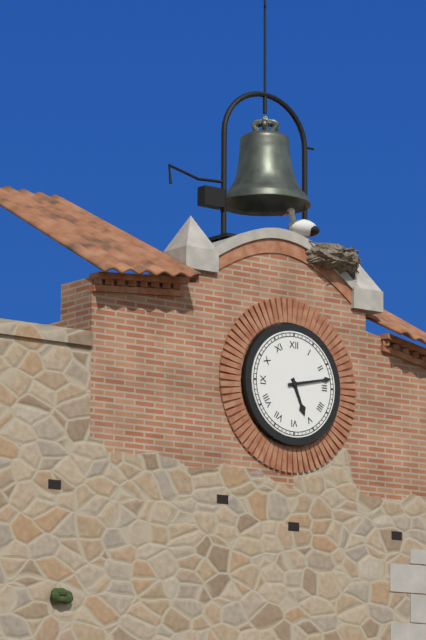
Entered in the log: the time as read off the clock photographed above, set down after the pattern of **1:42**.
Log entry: **5:13**
